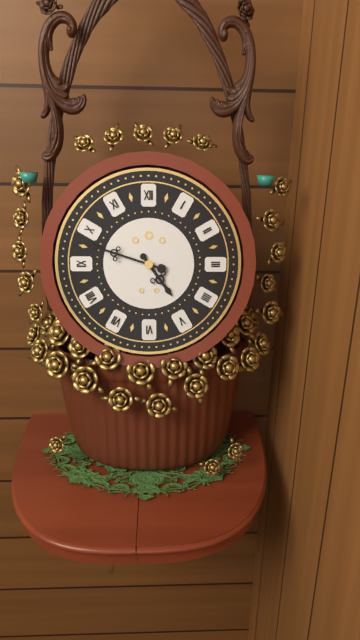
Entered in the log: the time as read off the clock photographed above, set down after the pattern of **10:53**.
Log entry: **4:48**
